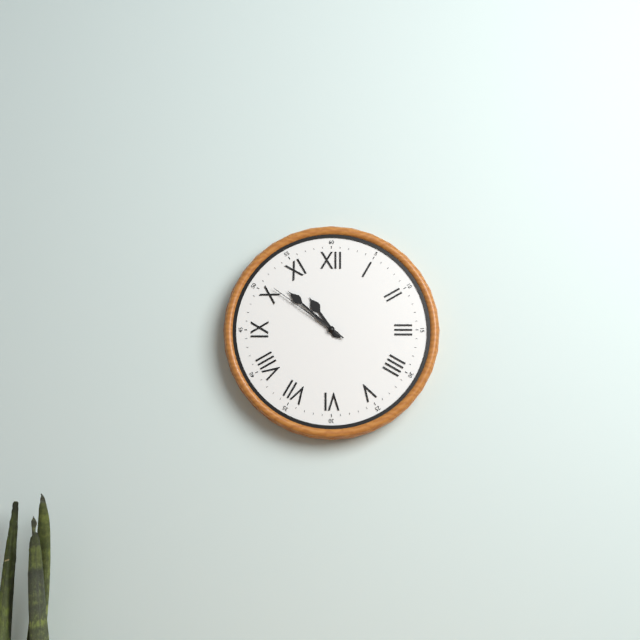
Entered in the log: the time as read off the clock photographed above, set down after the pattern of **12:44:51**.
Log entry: **10:52:51**
